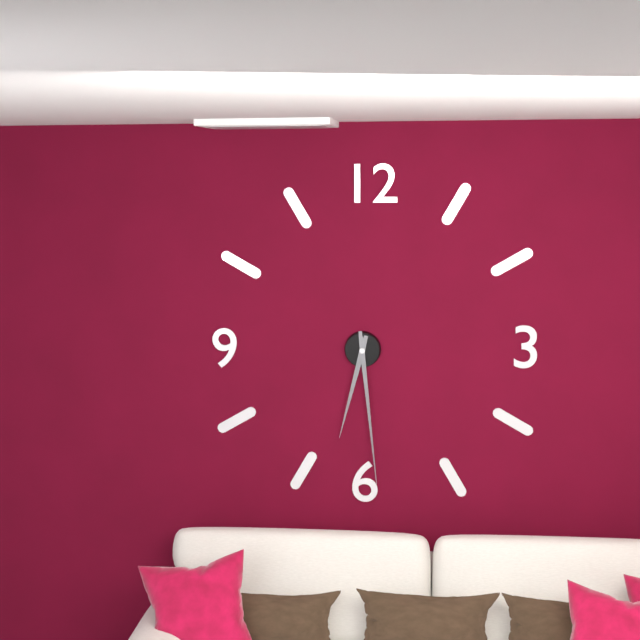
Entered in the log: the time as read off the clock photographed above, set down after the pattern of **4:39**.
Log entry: **6:29**
